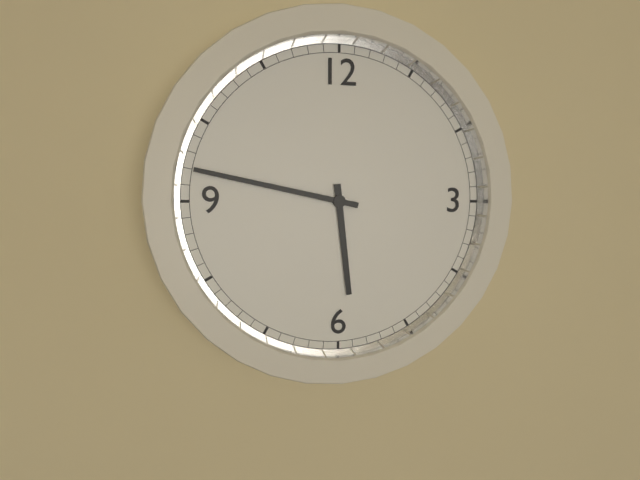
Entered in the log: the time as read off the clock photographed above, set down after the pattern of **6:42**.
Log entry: **5:47**
